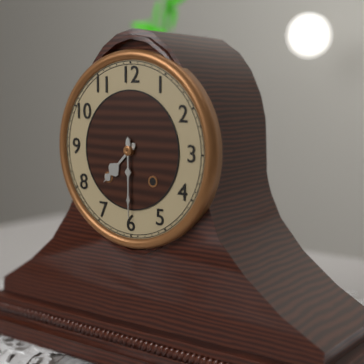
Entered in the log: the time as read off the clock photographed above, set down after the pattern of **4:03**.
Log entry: **7:30**
